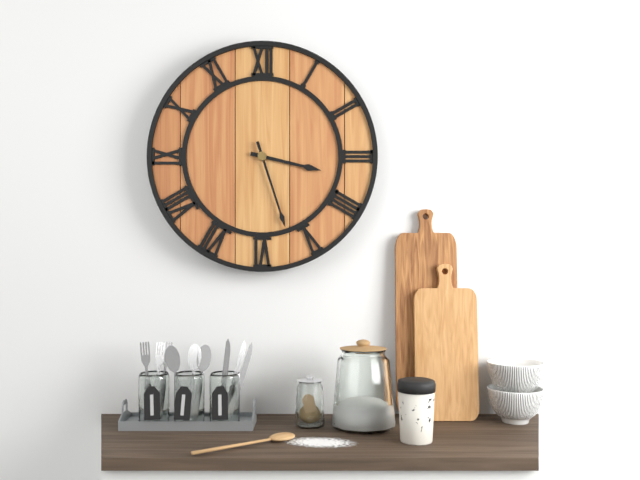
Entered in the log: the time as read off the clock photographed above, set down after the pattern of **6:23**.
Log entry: **3:27**
